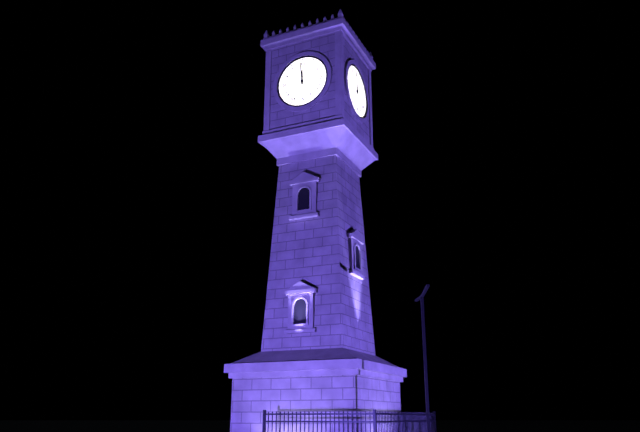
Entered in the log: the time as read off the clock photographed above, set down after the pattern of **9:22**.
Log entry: **11:59**
